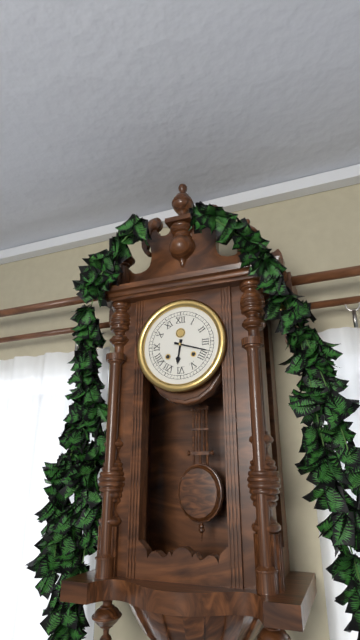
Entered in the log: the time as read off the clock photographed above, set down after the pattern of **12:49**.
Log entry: **6:18**
